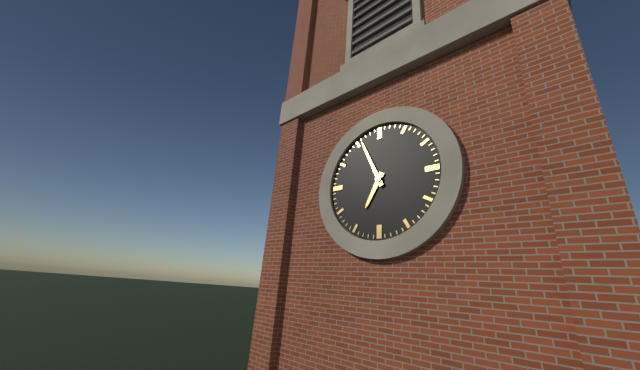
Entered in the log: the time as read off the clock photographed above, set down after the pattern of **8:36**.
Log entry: **6:56**
